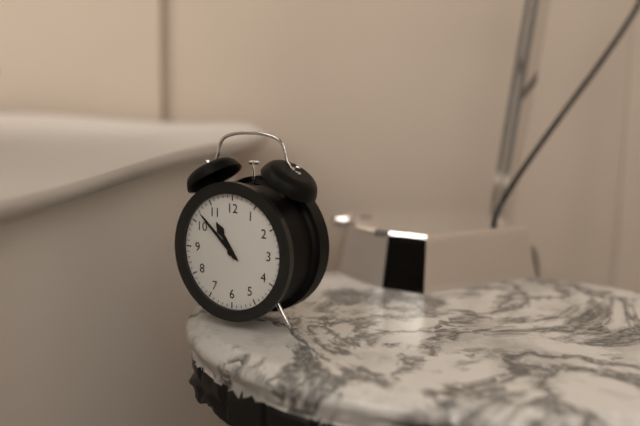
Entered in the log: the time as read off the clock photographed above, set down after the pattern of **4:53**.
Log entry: **10:52**
